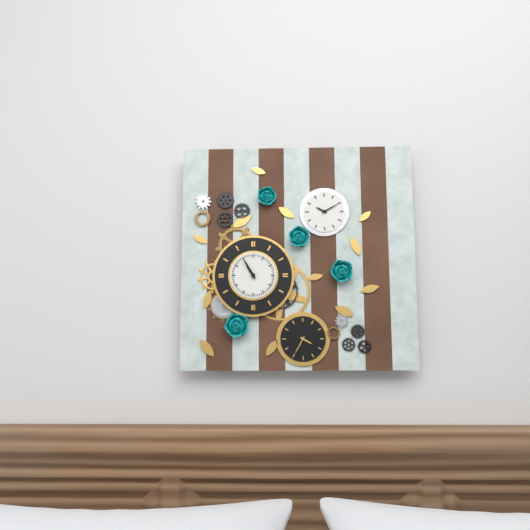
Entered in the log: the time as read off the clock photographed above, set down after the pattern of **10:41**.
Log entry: **10:55**
